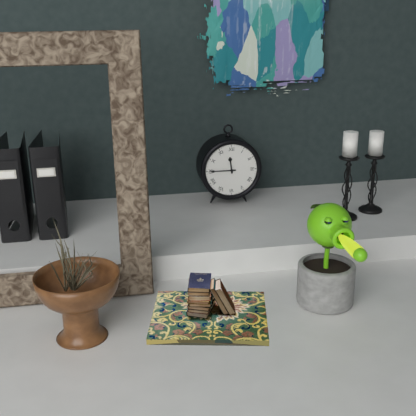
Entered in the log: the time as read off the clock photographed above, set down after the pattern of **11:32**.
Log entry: **11:45**
